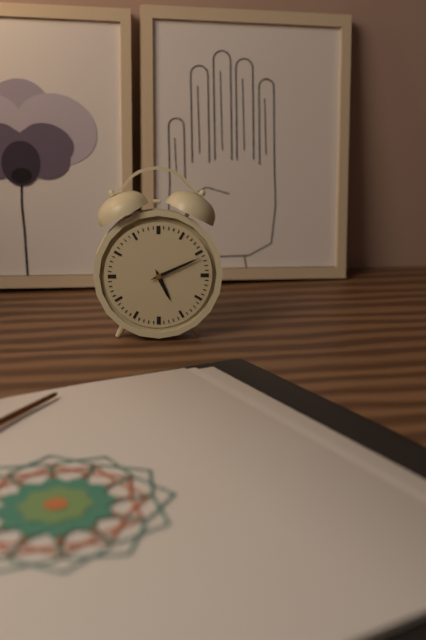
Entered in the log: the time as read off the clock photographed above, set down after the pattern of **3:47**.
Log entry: **5:11**
